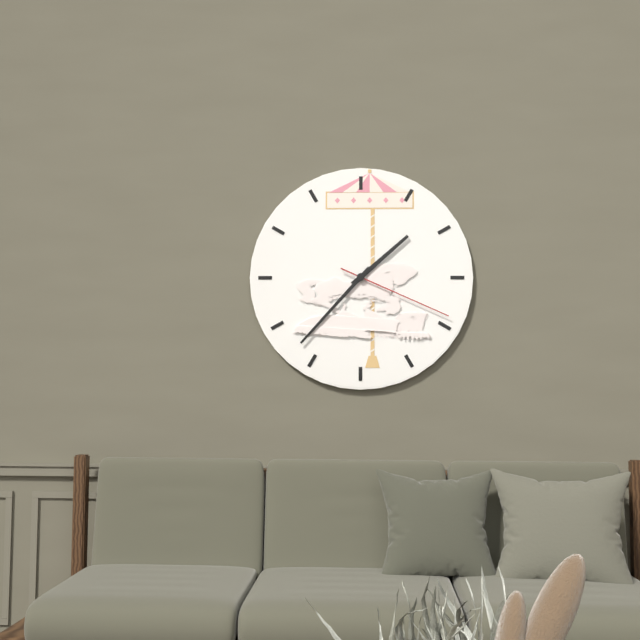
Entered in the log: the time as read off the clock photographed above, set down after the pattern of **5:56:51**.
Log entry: **1:37:19**
